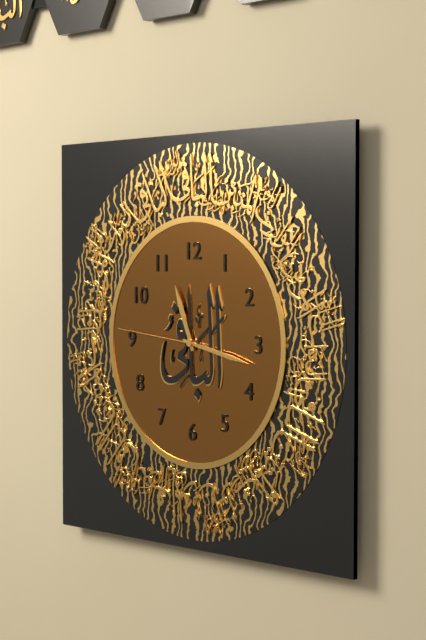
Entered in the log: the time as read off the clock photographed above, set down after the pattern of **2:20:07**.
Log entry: **11:17:46**
